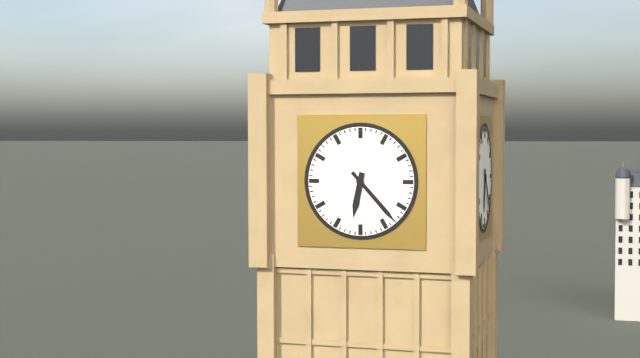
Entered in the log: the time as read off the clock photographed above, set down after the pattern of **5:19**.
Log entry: **6:23**
